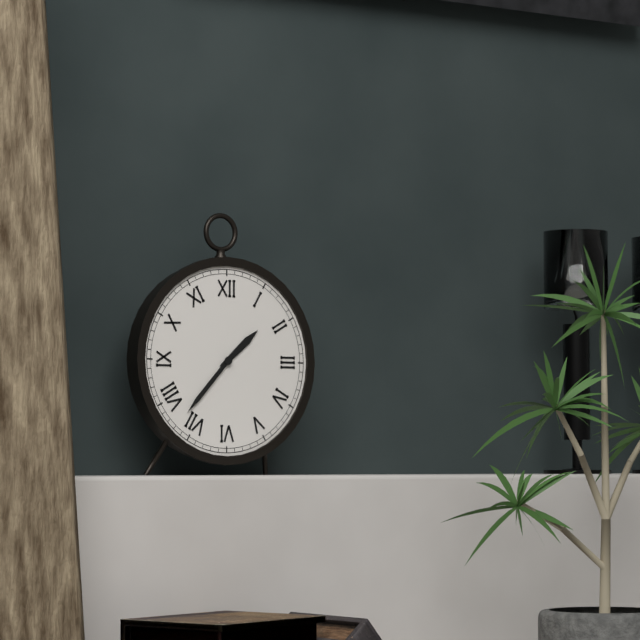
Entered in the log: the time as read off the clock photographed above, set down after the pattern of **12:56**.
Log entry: **1:37**
